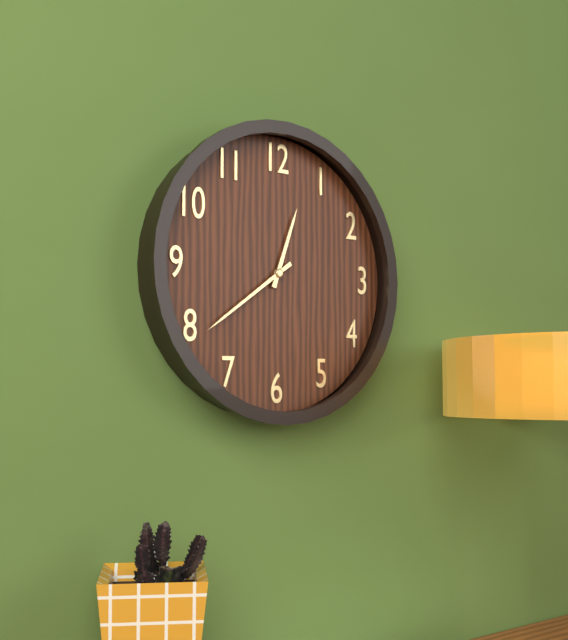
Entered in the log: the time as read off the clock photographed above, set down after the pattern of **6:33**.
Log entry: **12:39**
